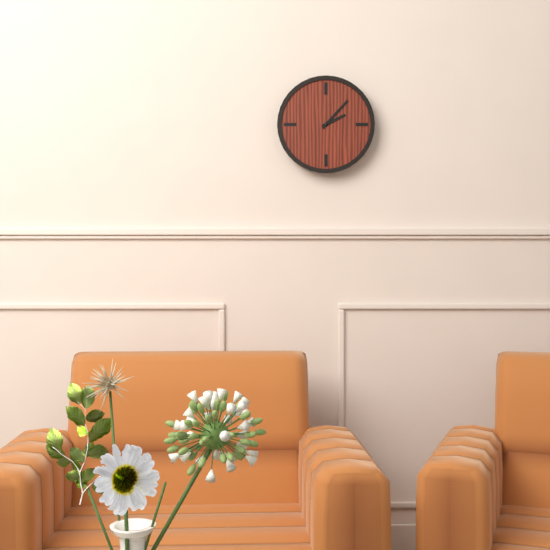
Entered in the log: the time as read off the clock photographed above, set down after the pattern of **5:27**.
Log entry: **2:07**
